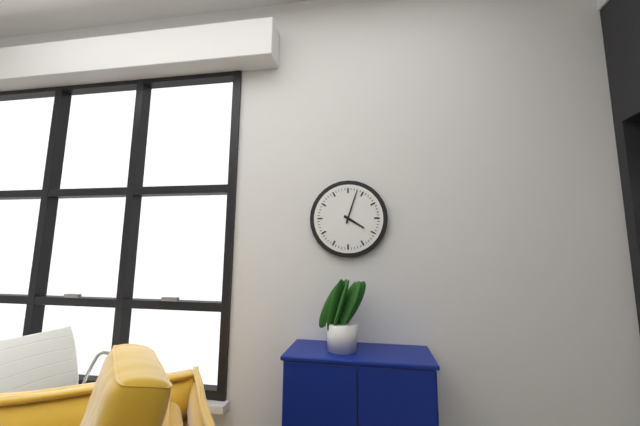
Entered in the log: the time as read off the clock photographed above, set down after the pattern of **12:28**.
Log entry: **4:03**
